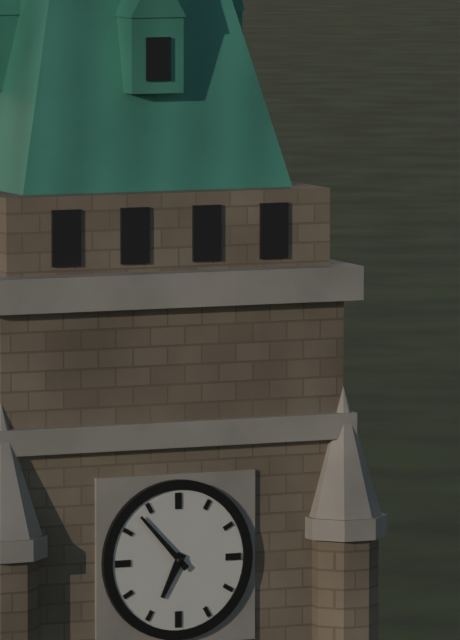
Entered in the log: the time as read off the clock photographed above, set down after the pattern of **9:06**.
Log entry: **6:53**
